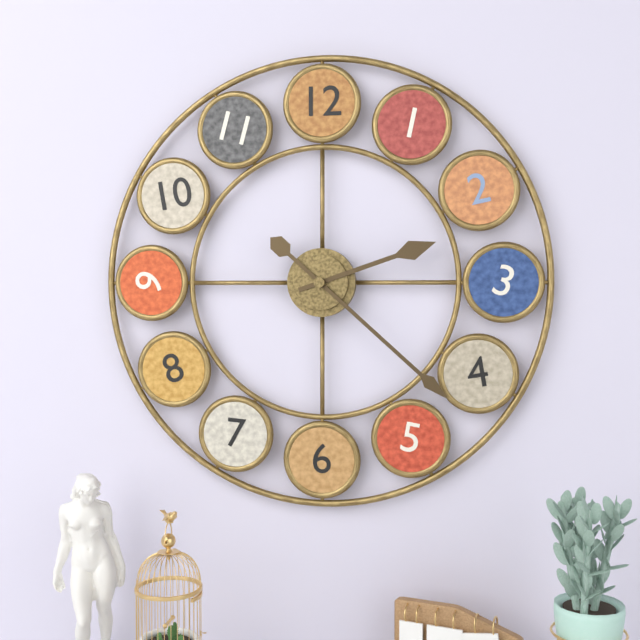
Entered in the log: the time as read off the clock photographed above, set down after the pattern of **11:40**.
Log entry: **2:22**
